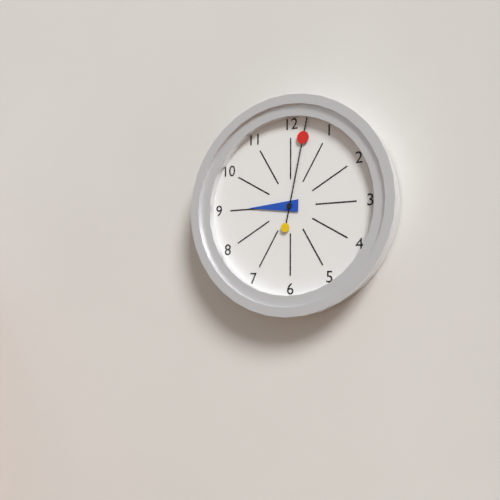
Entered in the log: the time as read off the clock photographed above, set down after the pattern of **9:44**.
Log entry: **9:02**
